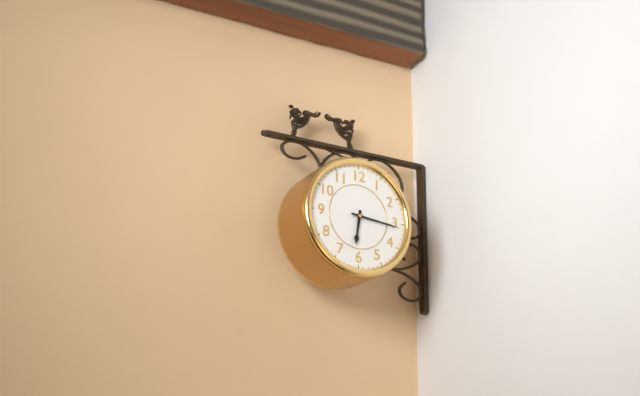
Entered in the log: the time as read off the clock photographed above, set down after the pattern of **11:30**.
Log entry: **6:16**
